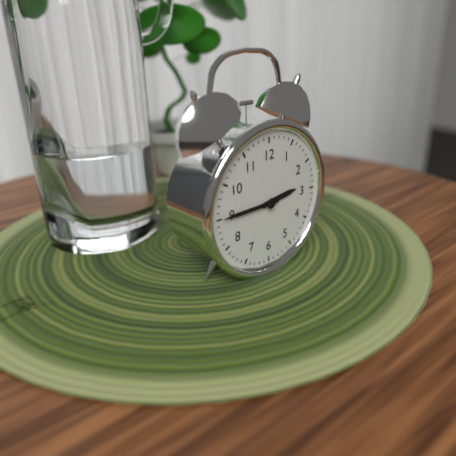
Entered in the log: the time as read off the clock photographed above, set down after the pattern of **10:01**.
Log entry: **2:45**
